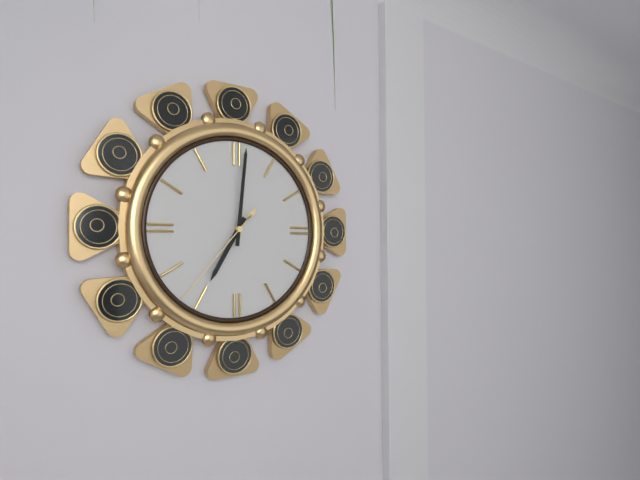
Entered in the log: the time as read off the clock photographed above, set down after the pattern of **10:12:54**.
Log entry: **7:01:37**
